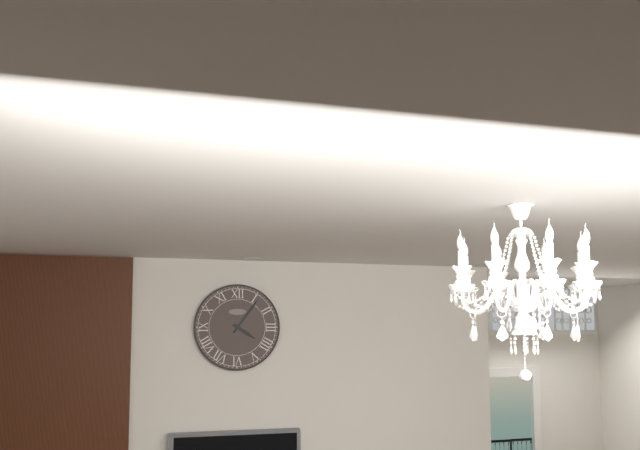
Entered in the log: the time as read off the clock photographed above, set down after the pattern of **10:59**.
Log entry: **4:06**
